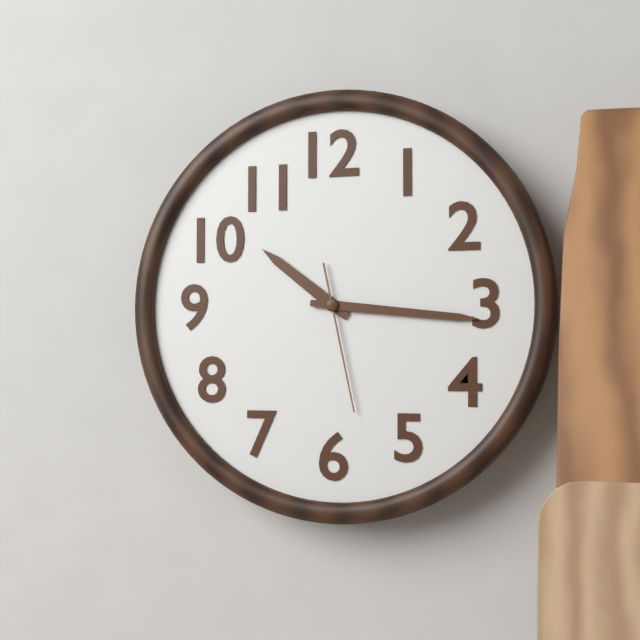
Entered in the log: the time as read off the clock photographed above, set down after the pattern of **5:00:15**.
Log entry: **10:16:28**
